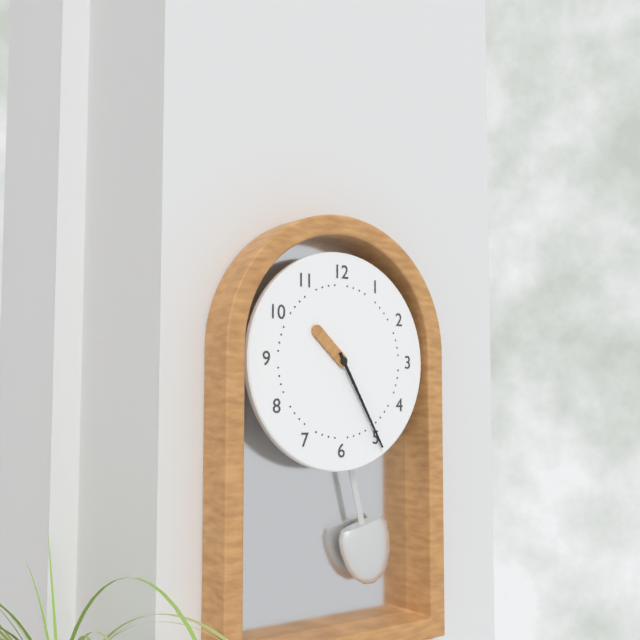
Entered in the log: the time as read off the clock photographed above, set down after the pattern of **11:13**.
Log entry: **10:25**
